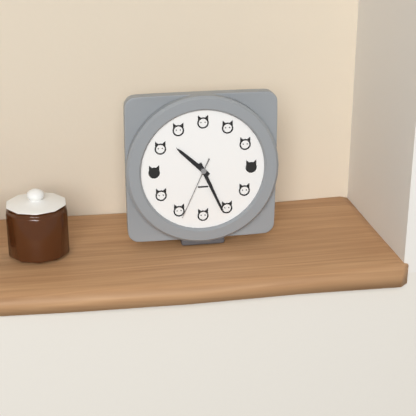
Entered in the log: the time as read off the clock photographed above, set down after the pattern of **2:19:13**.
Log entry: **10:26:34**
